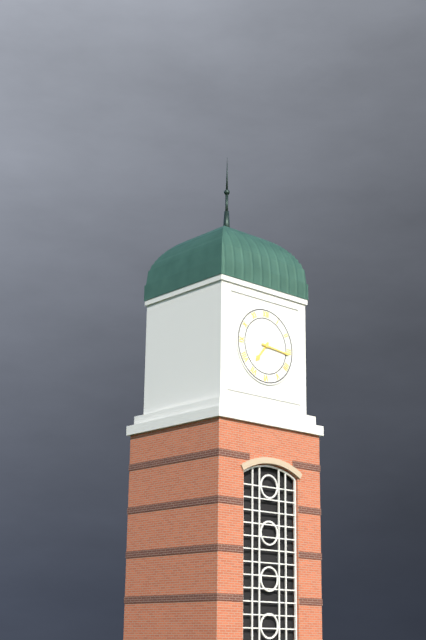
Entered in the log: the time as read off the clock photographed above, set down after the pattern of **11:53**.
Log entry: **7:16**
